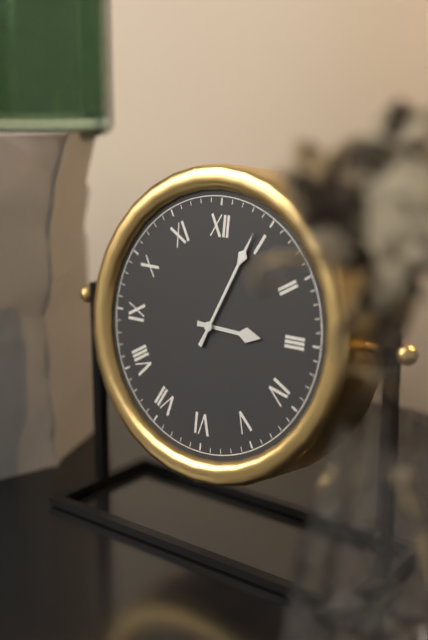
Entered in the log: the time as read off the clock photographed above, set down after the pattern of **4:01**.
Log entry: **3:04**
